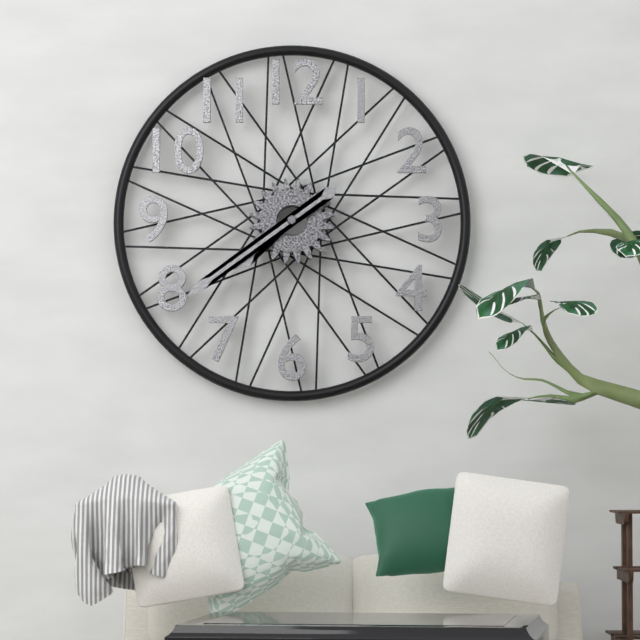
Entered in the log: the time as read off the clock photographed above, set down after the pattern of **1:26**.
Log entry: **7:39**
